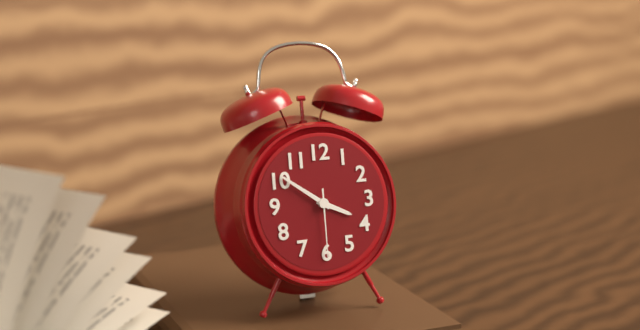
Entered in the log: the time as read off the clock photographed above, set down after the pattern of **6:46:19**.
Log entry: **3:51:30**
